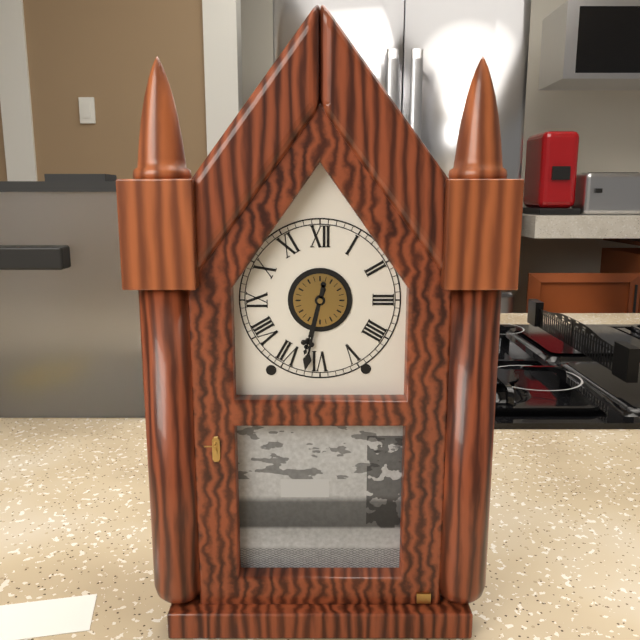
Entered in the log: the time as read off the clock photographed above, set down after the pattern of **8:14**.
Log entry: **6:32**
